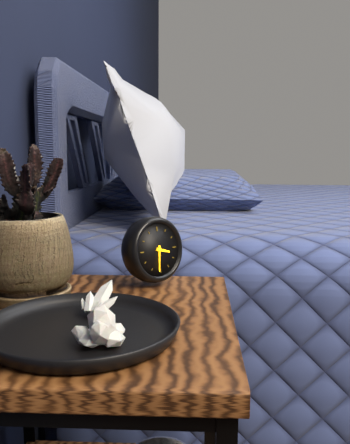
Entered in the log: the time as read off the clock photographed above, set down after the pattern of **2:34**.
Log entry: **3:31**
